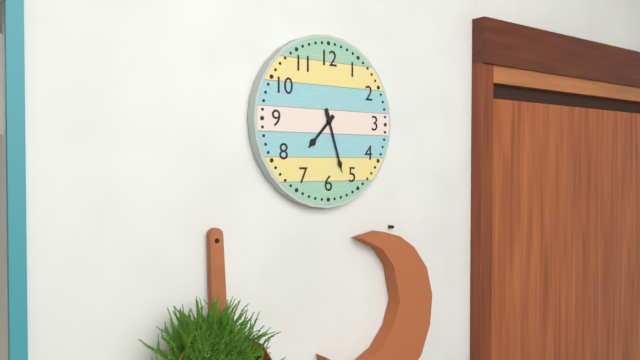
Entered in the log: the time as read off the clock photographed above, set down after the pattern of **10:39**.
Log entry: **7:27**
